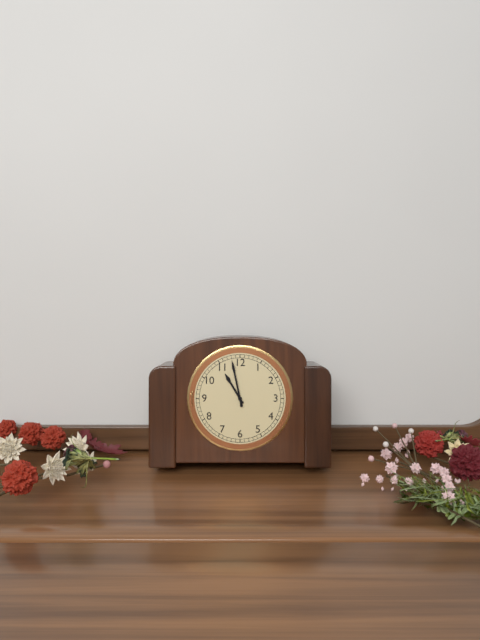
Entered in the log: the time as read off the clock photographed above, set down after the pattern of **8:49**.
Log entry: **10:58**
